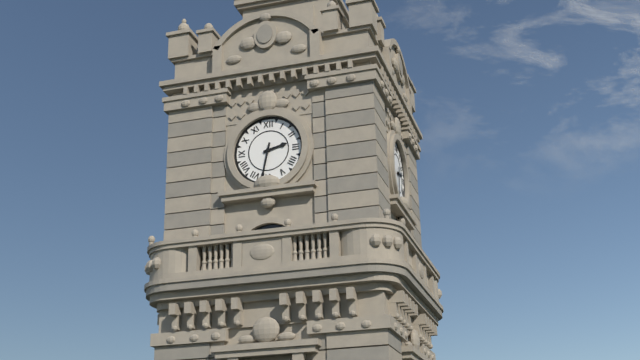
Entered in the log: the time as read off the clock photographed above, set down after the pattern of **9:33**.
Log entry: **2:32**
